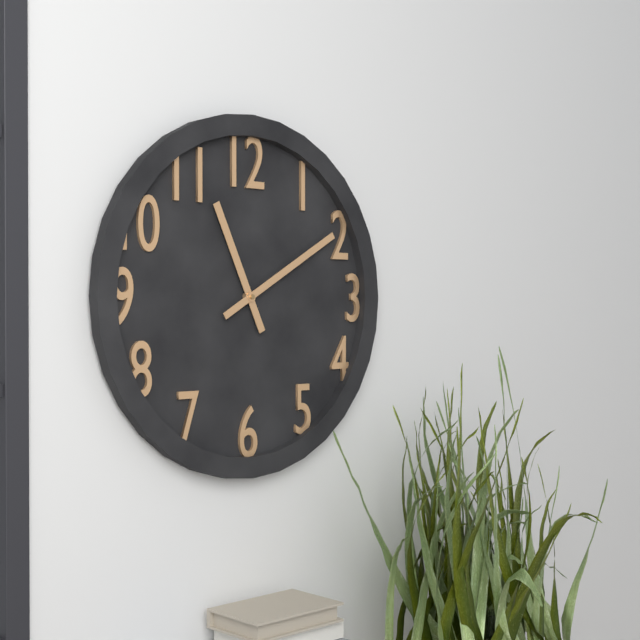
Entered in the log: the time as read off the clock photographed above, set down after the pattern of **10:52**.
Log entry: **11:10**
